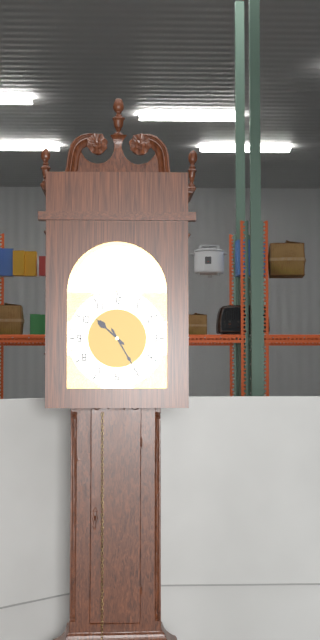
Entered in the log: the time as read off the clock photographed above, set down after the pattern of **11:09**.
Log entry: **10:25**
